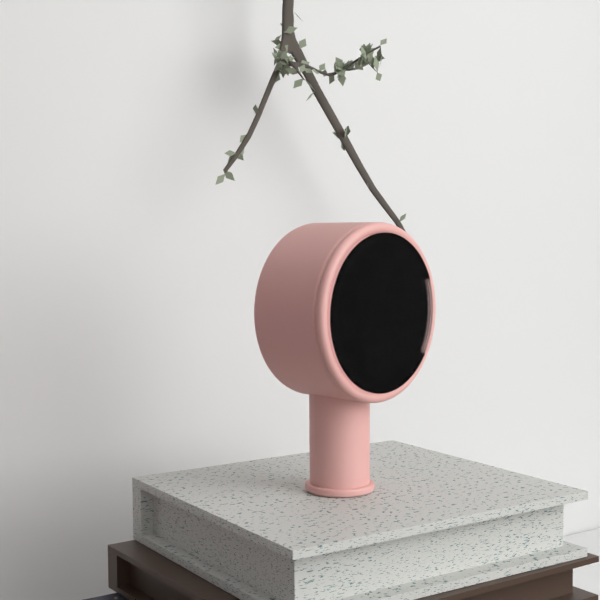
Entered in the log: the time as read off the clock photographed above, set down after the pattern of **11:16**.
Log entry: **4:32**
